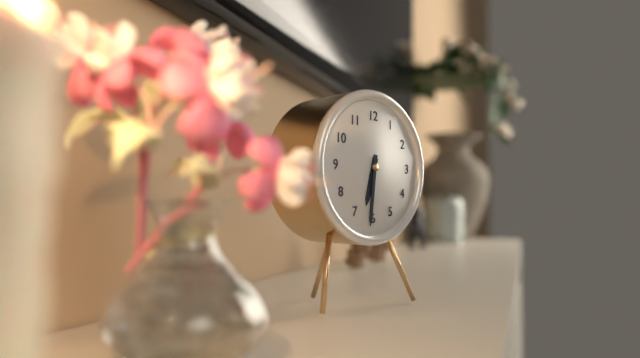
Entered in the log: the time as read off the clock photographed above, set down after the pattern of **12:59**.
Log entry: **6:31**
